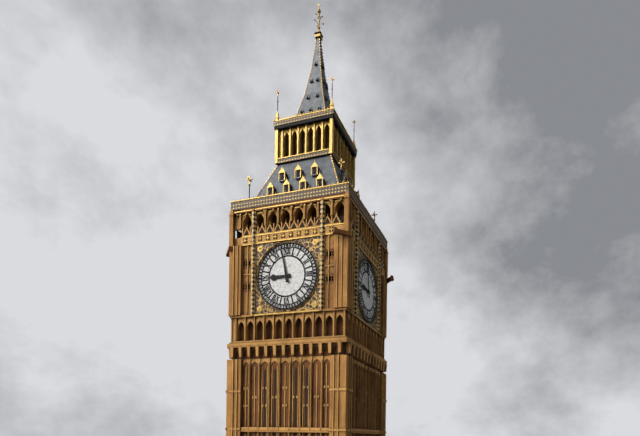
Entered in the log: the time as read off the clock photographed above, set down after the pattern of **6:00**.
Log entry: **8:58**
